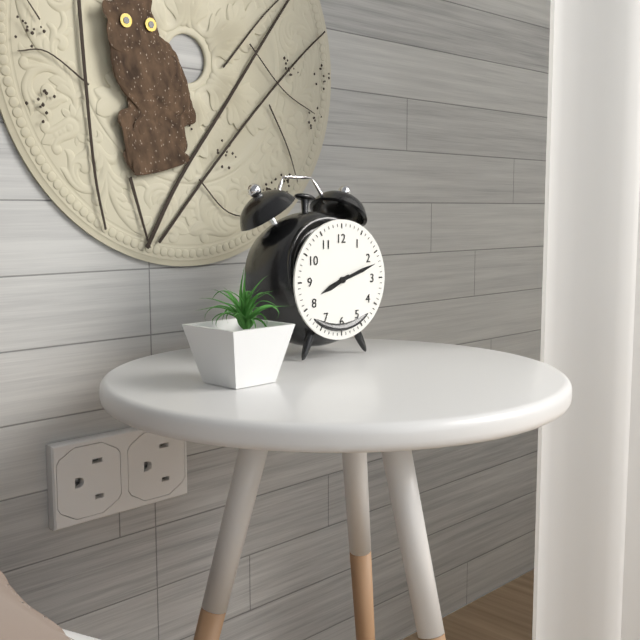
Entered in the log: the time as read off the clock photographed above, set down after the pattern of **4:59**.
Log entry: **8:12**
